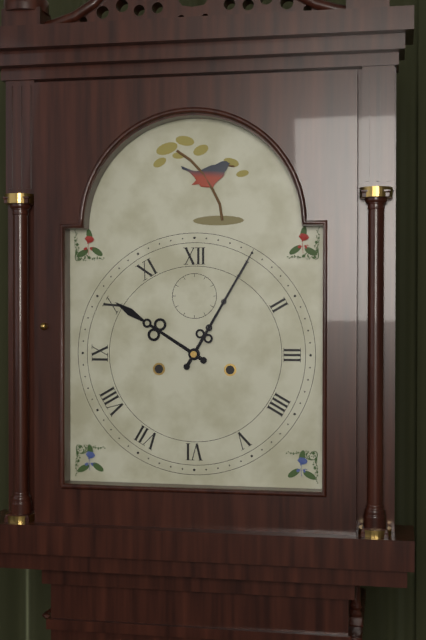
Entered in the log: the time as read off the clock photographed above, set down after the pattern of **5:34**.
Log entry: **10:05**
